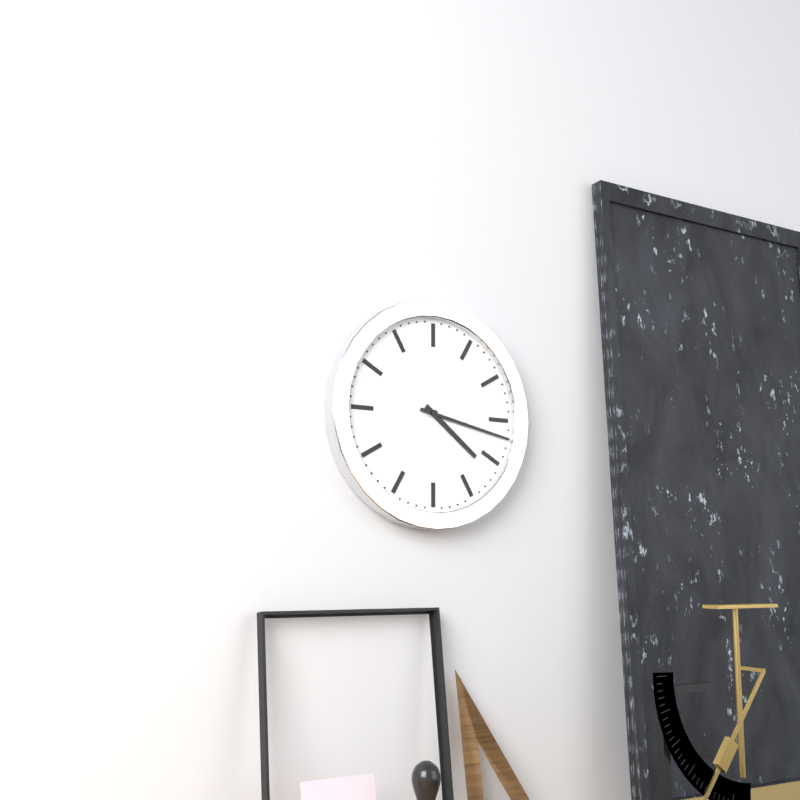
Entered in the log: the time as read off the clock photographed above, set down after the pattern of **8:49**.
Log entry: **4:17**
